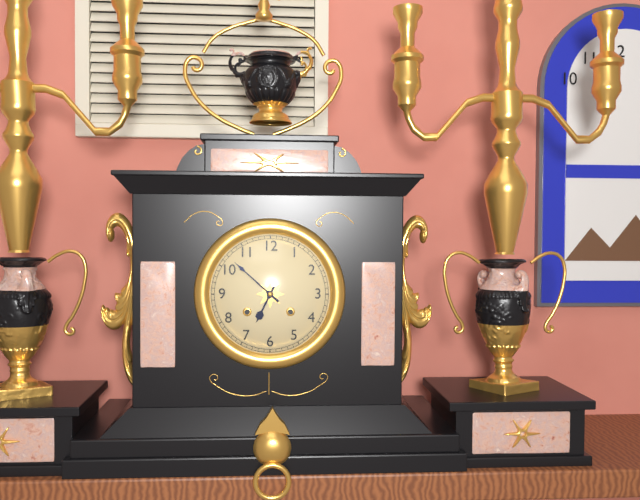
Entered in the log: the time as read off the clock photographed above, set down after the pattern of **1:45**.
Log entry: **6:52**
